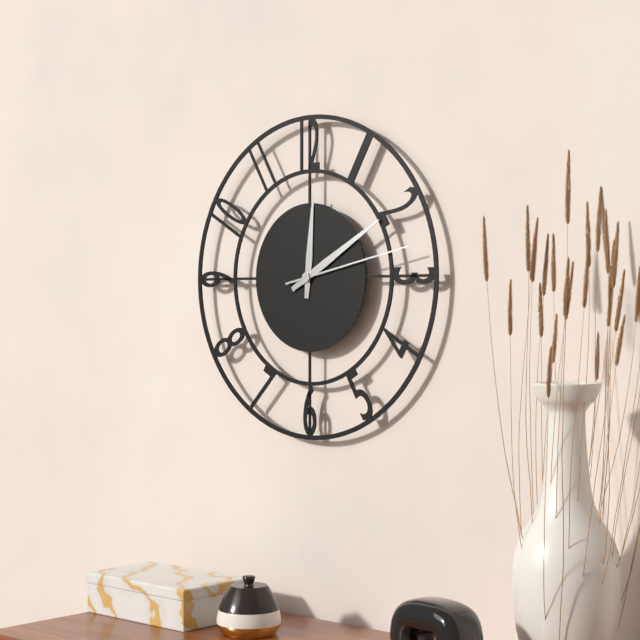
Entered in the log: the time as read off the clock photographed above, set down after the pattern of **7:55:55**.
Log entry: **12:10:13**
